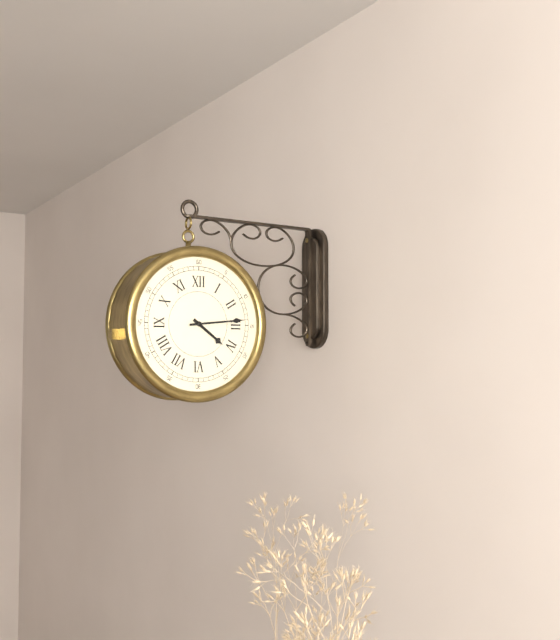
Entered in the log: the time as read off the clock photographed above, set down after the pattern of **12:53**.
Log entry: **4:14**
